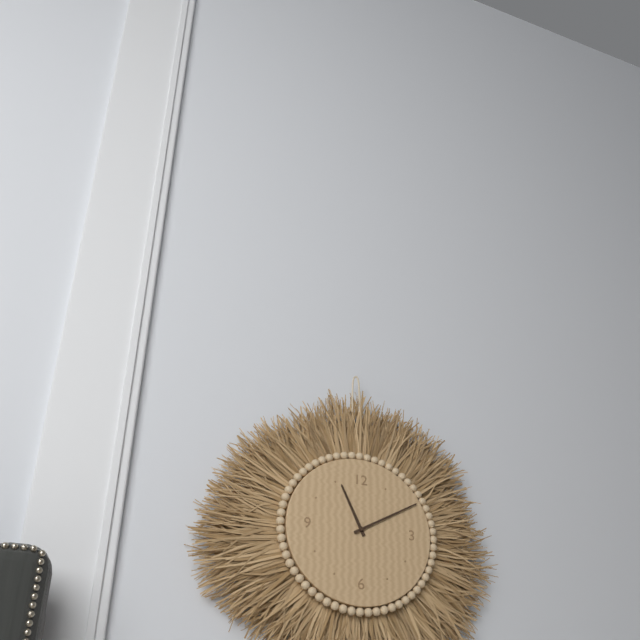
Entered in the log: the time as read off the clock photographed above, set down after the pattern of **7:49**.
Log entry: **11:10**
